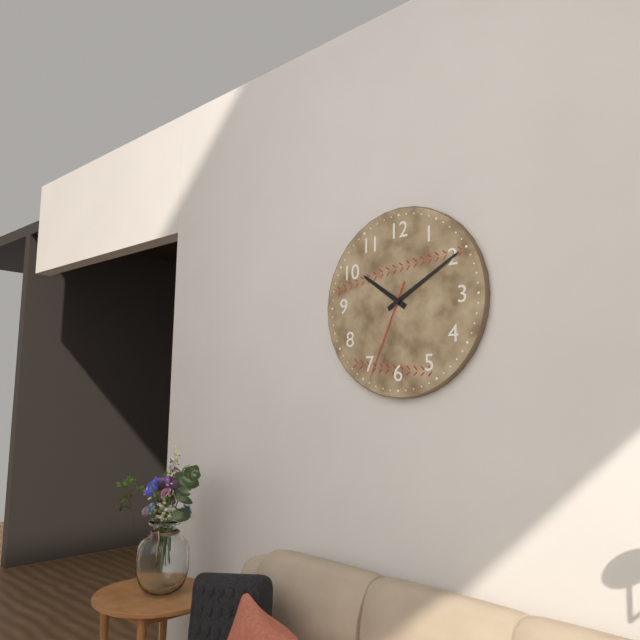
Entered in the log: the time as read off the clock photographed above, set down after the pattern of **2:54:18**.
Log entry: **10:10:34**
